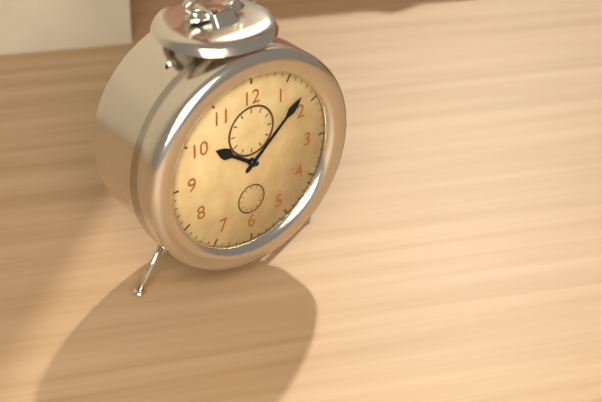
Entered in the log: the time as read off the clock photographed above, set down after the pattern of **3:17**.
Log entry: **10:08**
